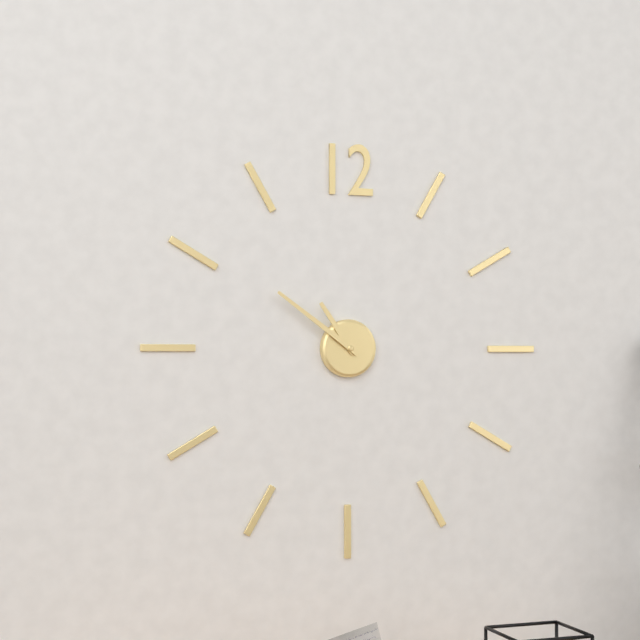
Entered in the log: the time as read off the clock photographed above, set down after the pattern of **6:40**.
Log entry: **10:51**
